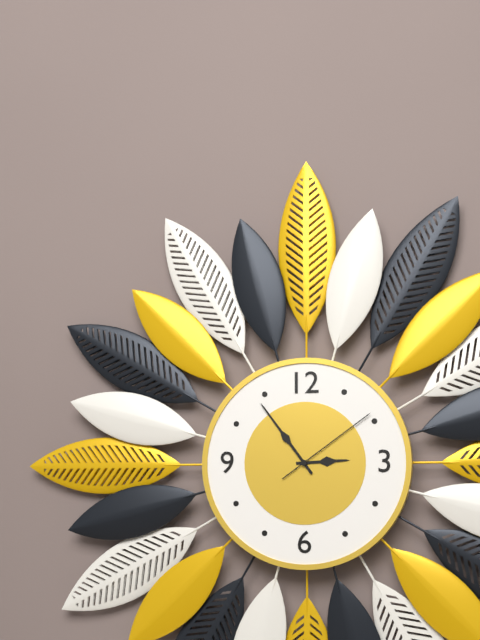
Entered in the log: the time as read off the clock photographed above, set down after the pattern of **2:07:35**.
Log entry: **2:54:09**
